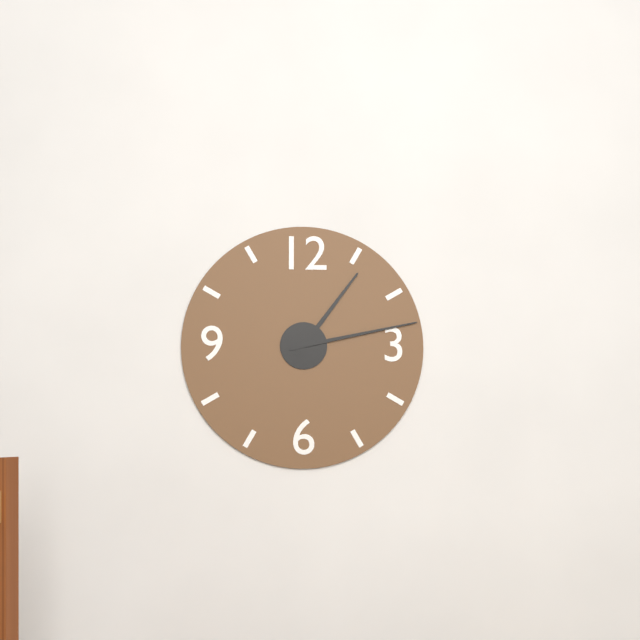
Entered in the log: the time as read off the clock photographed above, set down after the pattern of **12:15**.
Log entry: **1:13**
